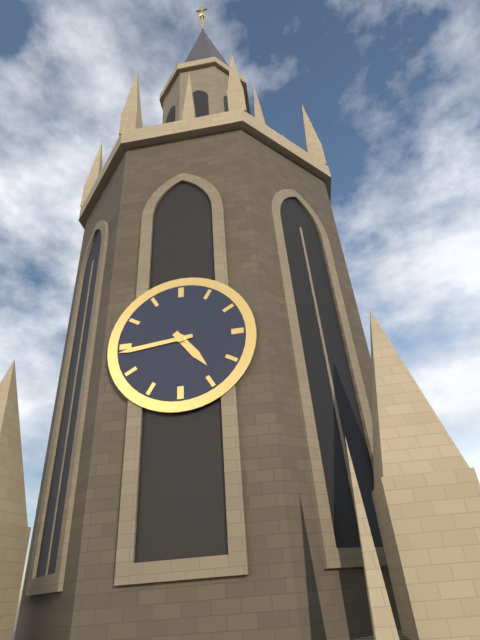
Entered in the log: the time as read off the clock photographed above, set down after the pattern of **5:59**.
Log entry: **4:44**
